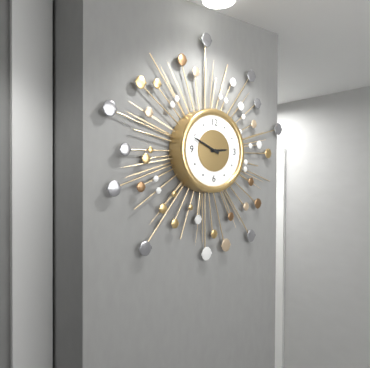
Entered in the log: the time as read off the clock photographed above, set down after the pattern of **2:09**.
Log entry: **2:49**
